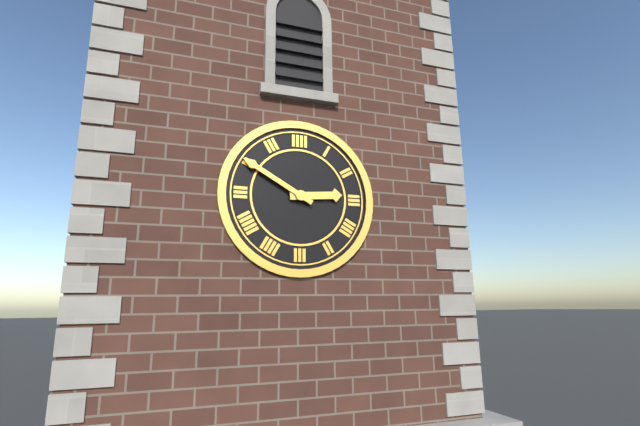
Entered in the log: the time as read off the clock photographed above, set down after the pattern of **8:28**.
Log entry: **2:50**
